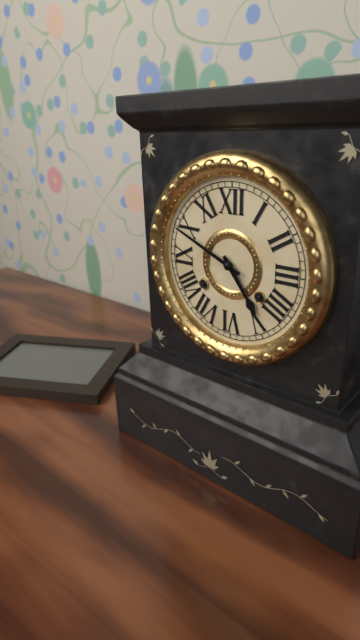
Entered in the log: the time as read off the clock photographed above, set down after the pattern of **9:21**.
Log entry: **4:49**
